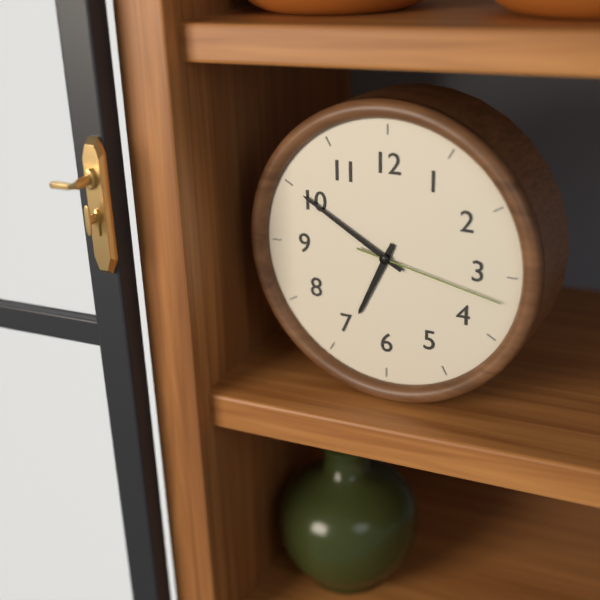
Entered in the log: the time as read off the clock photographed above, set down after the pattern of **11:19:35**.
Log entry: **6:50:17**
